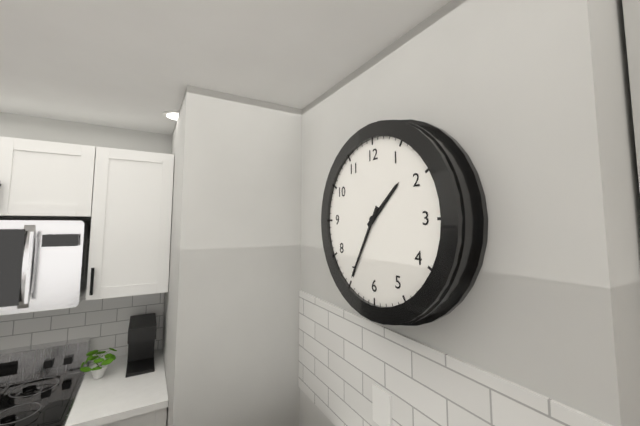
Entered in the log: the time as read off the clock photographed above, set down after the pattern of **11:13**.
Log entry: **1:35**
